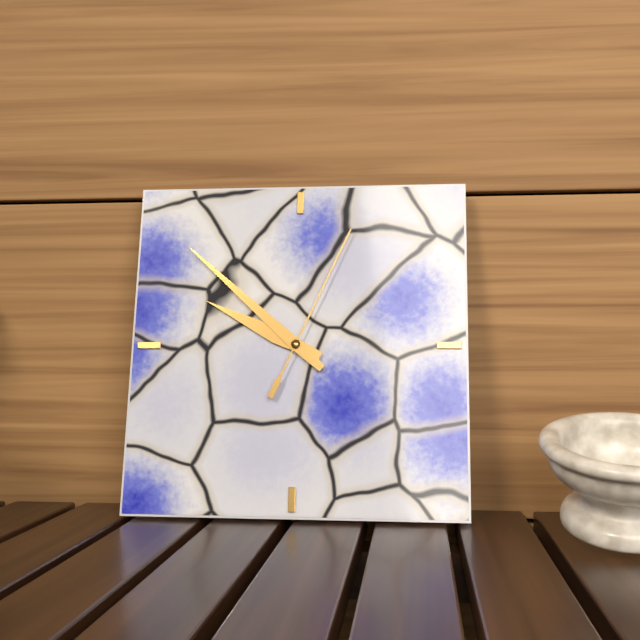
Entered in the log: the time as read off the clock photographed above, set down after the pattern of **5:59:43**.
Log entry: **9:52:04**
